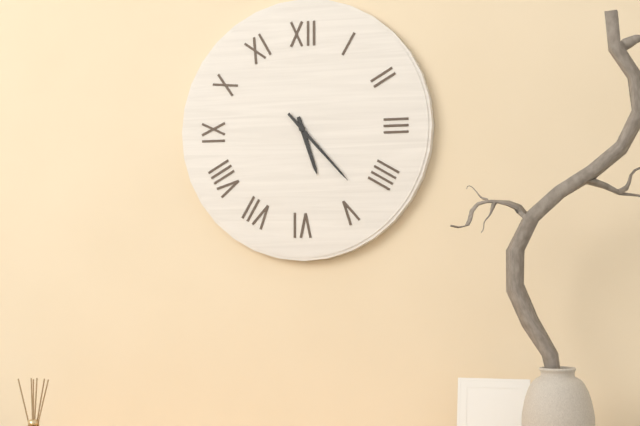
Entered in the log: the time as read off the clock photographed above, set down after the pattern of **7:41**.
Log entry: **5:23**
